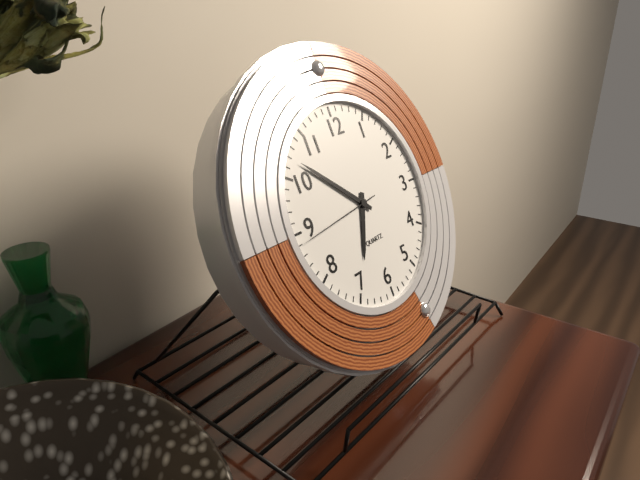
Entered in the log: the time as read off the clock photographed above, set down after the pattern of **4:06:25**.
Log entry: **6:52:44**
